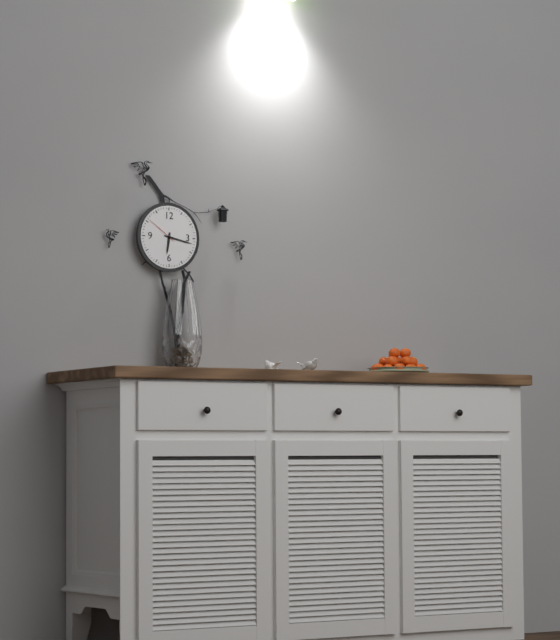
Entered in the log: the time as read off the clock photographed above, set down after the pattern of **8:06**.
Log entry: **6:17**
